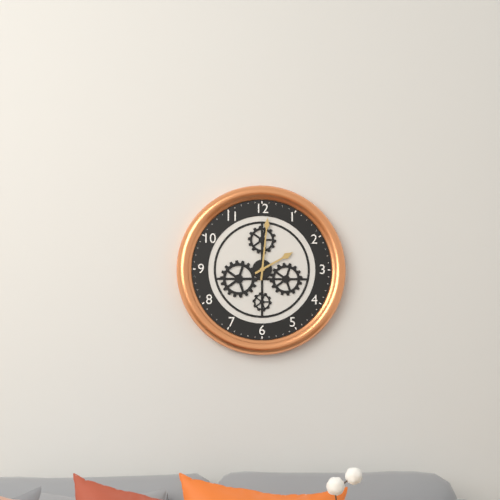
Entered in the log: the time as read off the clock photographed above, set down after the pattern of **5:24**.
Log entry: **2:01**
